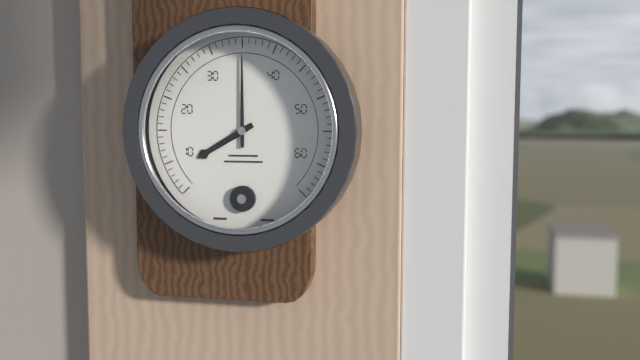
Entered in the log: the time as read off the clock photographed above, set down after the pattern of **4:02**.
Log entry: **8:00**
